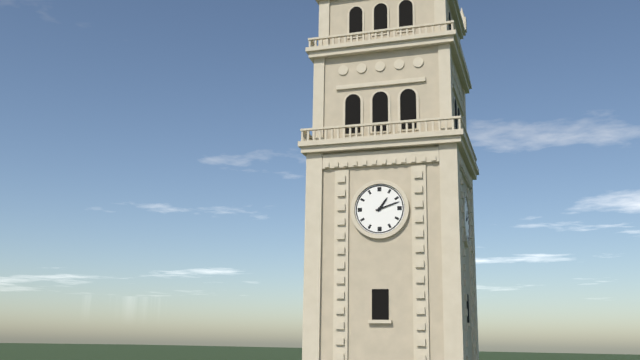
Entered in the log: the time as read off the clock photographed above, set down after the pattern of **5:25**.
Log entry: **1:12**
